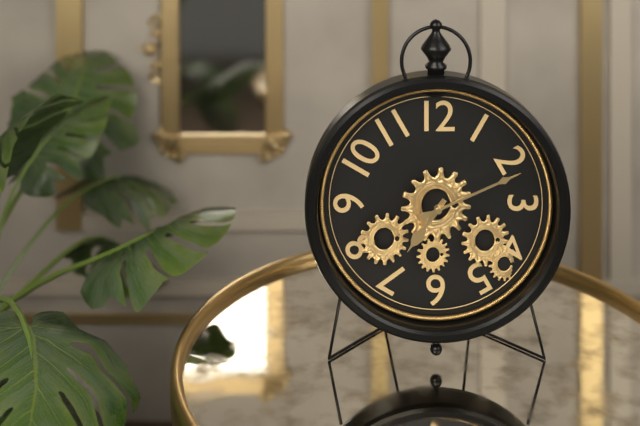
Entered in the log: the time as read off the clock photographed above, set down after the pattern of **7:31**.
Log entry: **7:11**
